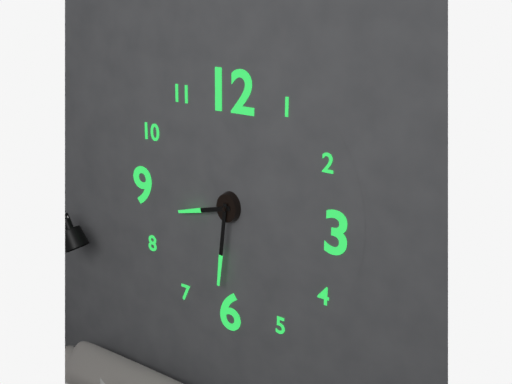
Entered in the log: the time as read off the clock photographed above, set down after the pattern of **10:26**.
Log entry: **8:31**
